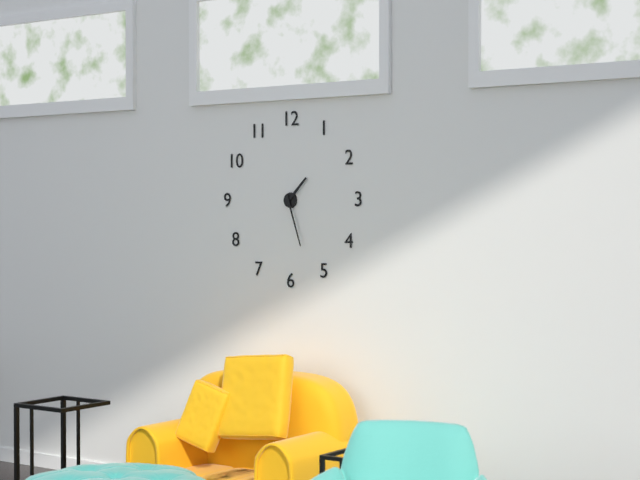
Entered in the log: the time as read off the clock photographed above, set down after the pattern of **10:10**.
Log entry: **1:27**
